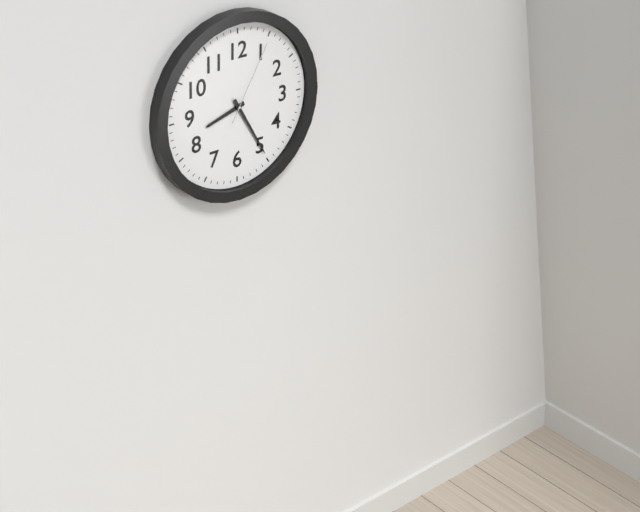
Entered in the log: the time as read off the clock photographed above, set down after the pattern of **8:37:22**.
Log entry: **8:25:05**
